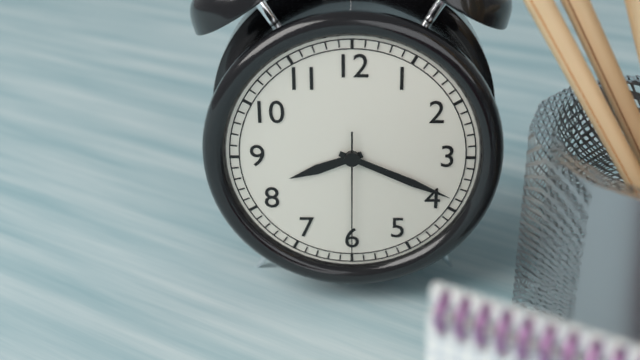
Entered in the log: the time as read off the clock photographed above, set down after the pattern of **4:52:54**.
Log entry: **8:19:30**
